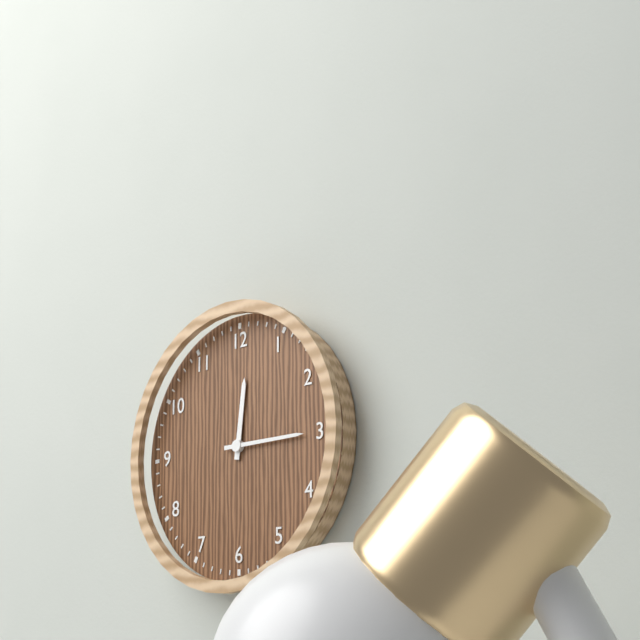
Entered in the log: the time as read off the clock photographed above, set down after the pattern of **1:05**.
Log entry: **12:15**
